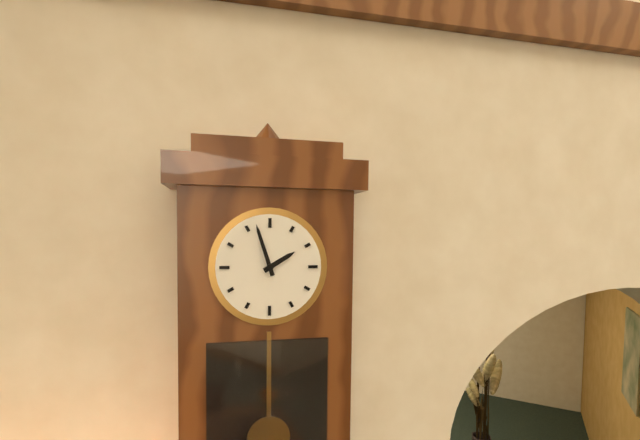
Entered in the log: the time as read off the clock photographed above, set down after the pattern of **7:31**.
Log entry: **1:57**
